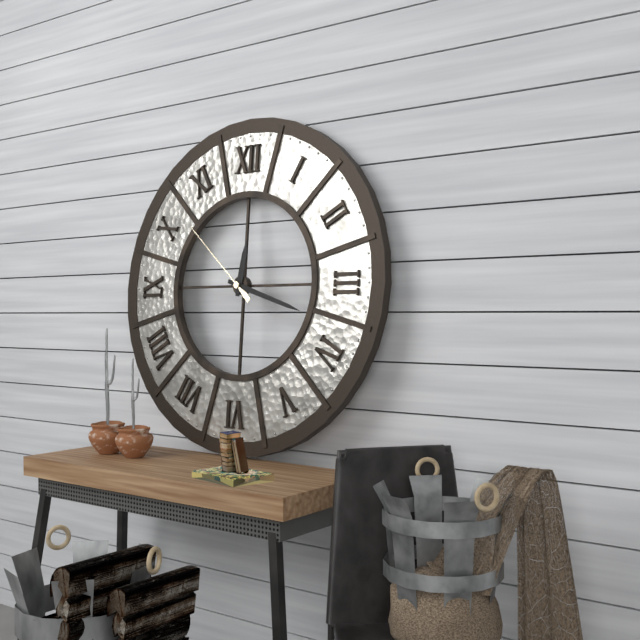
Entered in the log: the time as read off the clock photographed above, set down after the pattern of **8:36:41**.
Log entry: **12:18:52**
